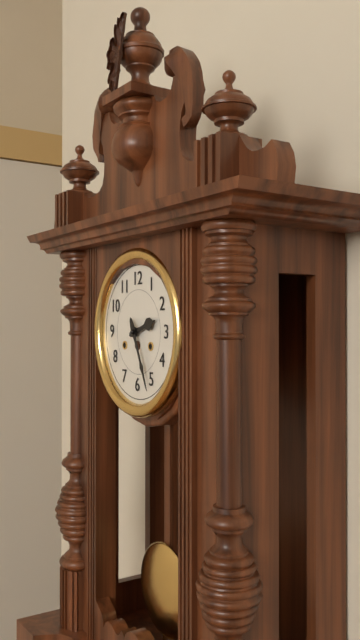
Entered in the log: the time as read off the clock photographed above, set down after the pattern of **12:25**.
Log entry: **2:26**
